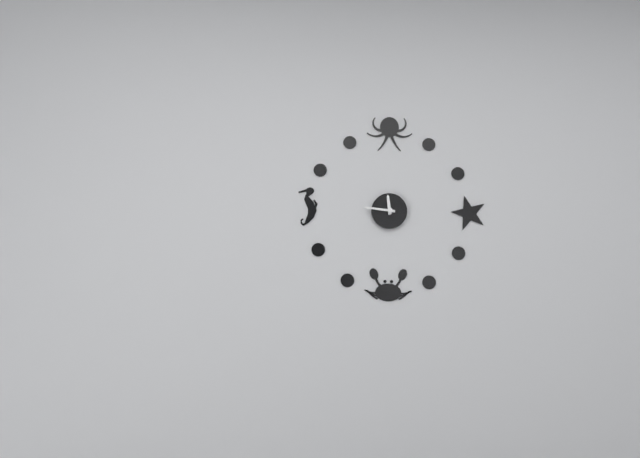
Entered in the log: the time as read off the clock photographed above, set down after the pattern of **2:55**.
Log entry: **11:46**
